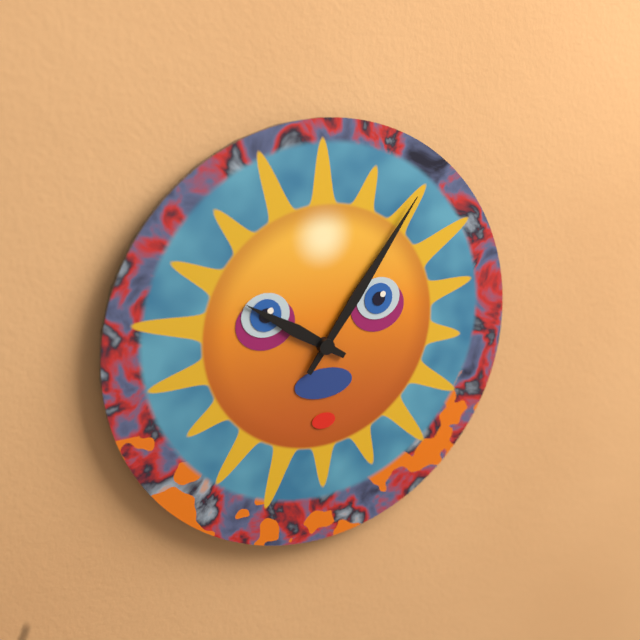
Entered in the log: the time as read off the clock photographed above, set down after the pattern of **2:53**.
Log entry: **10:06**
